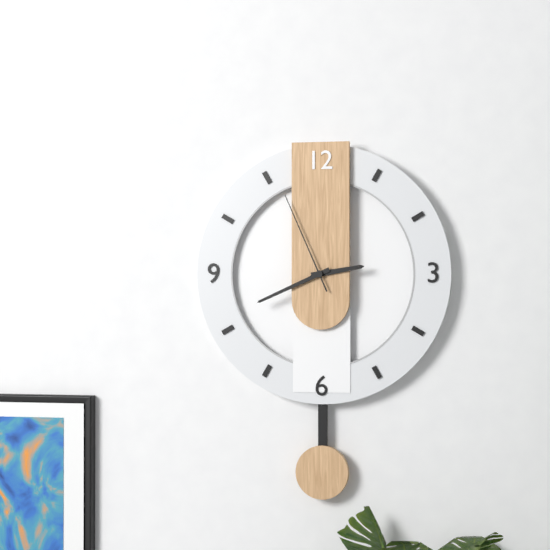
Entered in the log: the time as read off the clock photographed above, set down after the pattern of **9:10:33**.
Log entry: **2:41:56**
